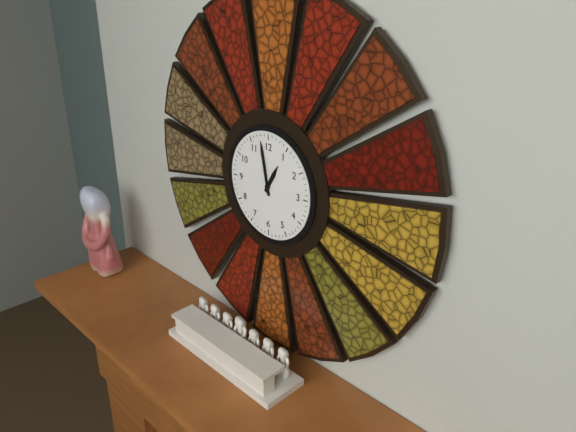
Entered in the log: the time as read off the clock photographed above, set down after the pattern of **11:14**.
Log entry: **12:58**
